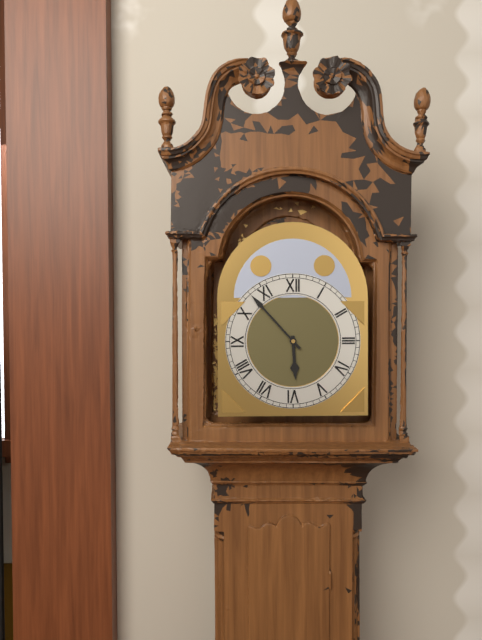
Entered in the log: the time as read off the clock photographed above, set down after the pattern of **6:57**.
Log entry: **5:53**
